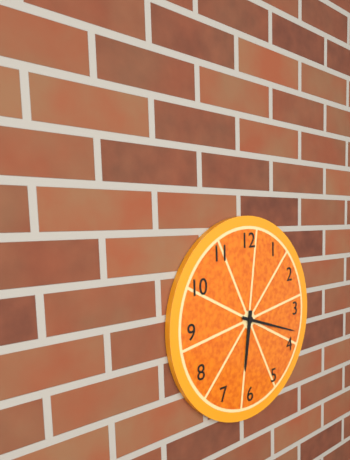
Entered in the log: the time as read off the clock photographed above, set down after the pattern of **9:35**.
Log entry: **6:18**
